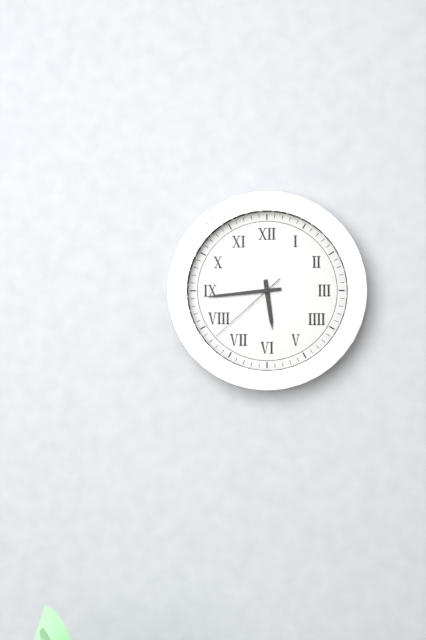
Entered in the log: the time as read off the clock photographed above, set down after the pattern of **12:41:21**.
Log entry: **5:44:38**
